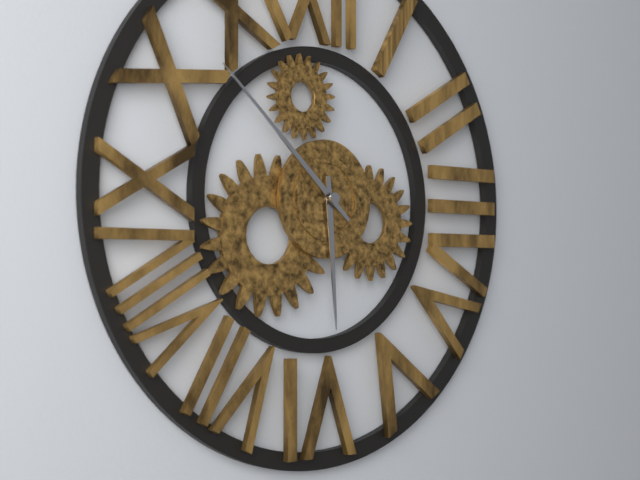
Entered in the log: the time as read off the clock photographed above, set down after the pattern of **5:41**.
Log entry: **5:52**
